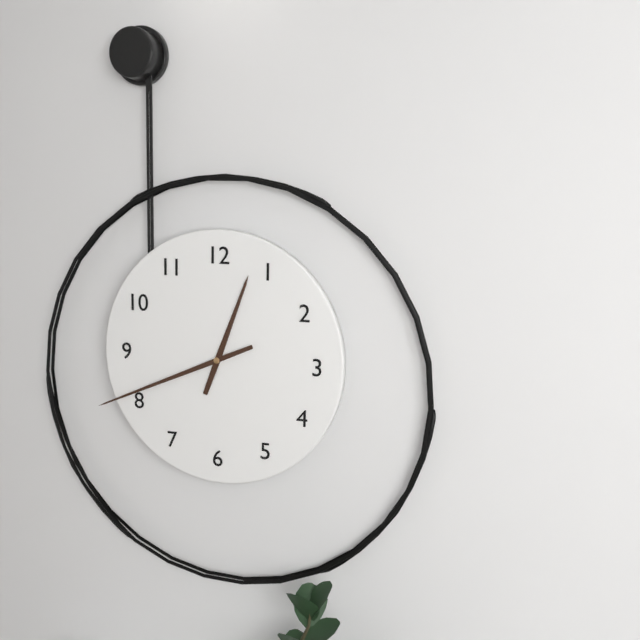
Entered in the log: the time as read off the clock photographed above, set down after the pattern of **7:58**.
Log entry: **12:41**
